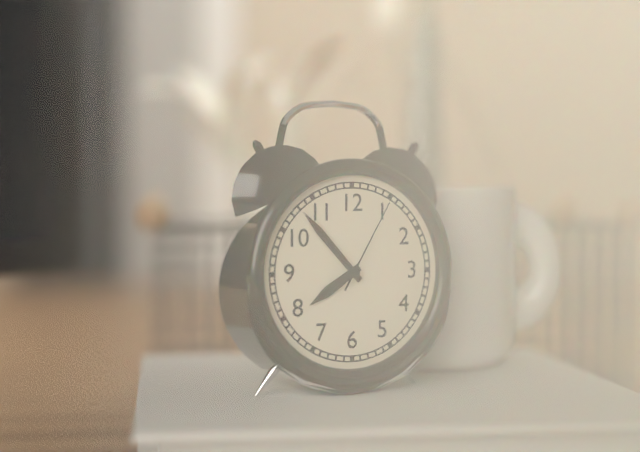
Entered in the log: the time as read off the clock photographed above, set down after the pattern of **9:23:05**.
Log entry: **7:53:05**
